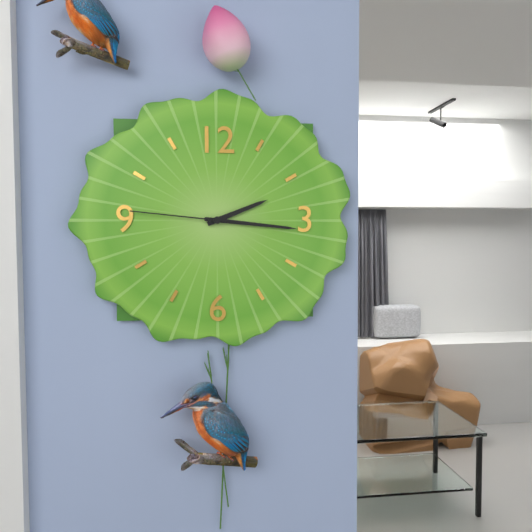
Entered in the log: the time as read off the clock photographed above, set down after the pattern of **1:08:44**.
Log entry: **2:16:46**
